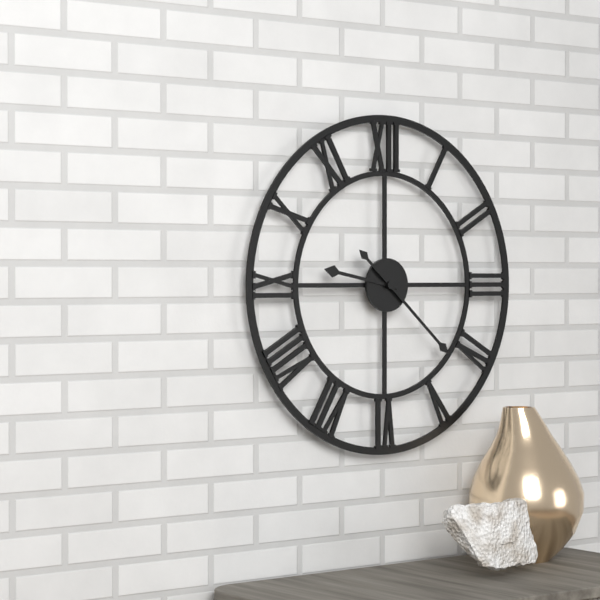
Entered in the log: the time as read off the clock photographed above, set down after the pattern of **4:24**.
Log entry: **9:22**
